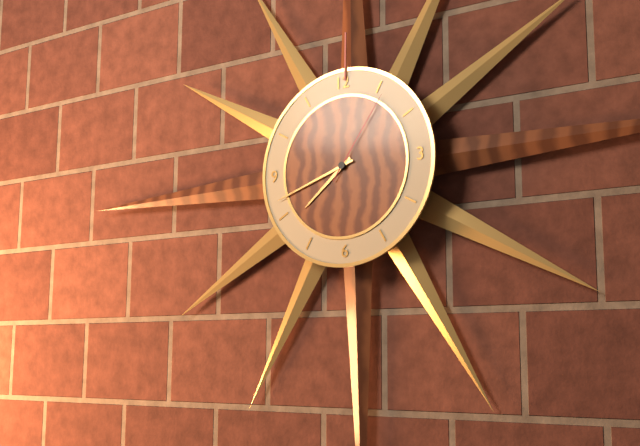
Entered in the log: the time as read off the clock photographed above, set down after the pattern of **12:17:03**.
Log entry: **7:42:06**
